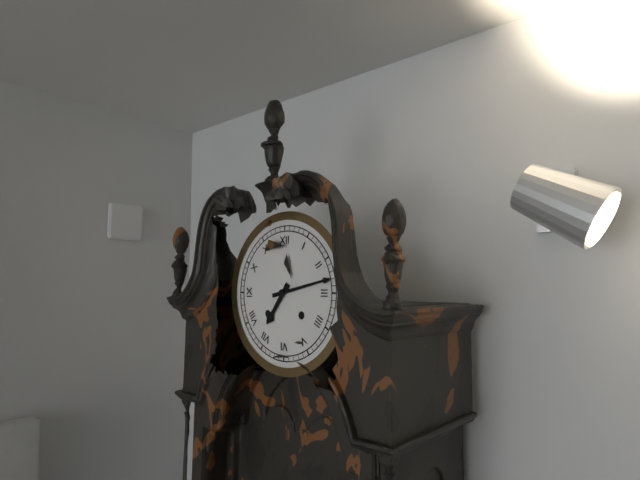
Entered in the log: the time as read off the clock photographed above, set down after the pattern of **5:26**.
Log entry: **7:13**
